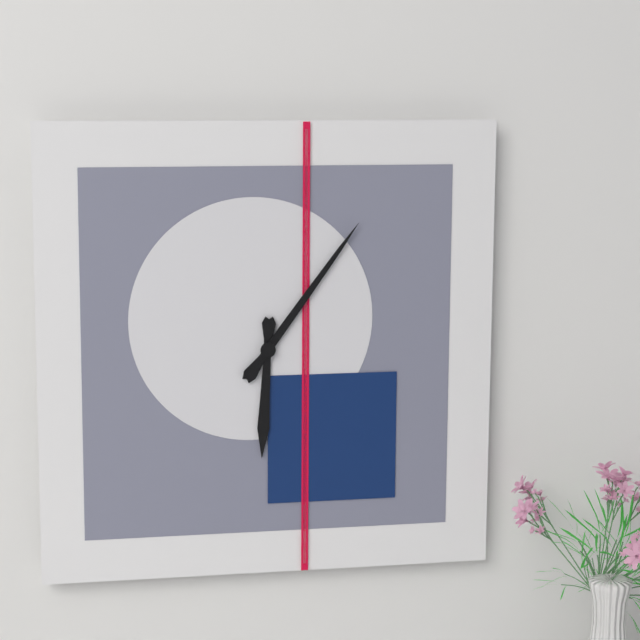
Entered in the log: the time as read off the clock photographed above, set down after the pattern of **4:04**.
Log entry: **6:06**
